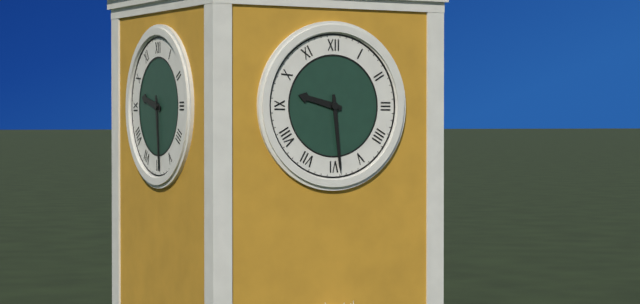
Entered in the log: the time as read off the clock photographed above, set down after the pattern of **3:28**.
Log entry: **9:29**
